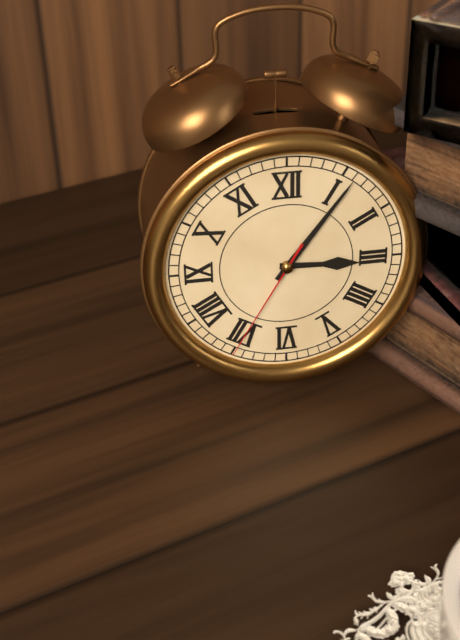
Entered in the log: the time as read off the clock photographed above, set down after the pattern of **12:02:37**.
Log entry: **3:06:35**
